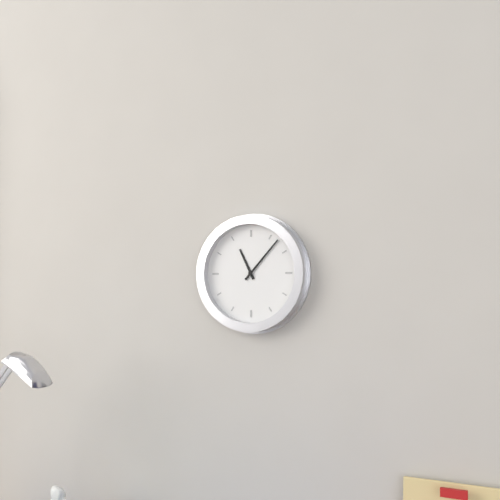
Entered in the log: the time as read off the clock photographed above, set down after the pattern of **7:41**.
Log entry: **11:07**
